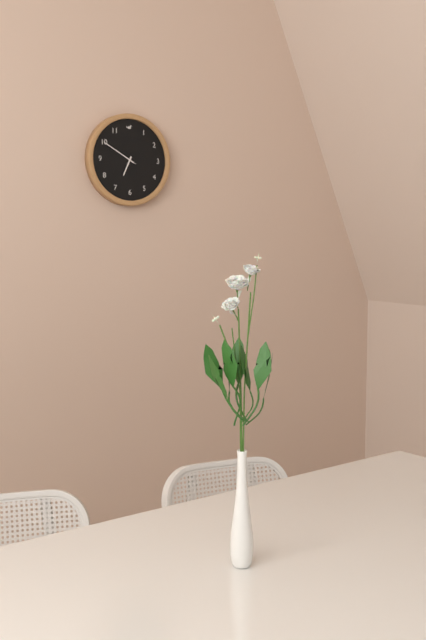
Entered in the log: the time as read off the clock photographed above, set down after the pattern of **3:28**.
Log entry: **6:50**
